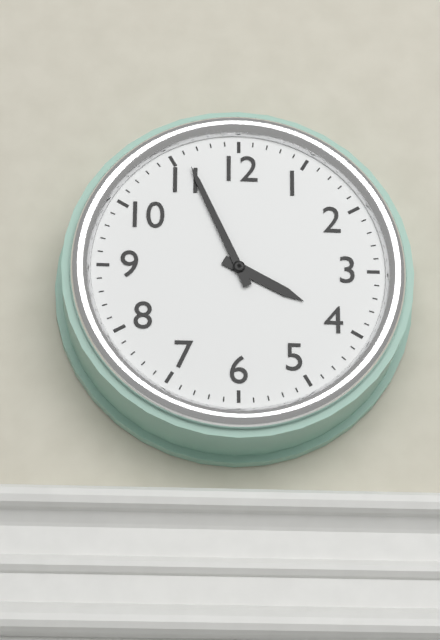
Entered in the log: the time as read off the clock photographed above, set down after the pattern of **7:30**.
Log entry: **3:56**
